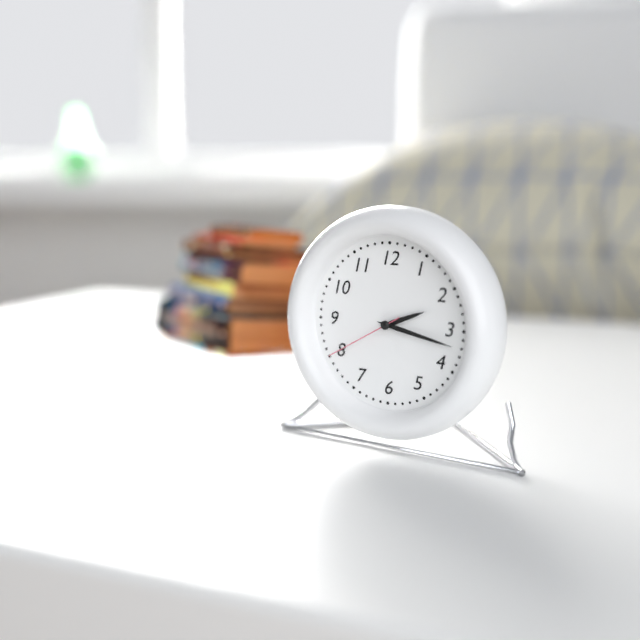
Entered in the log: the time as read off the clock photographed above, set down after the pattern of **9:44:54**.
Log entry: **2:17:40**
